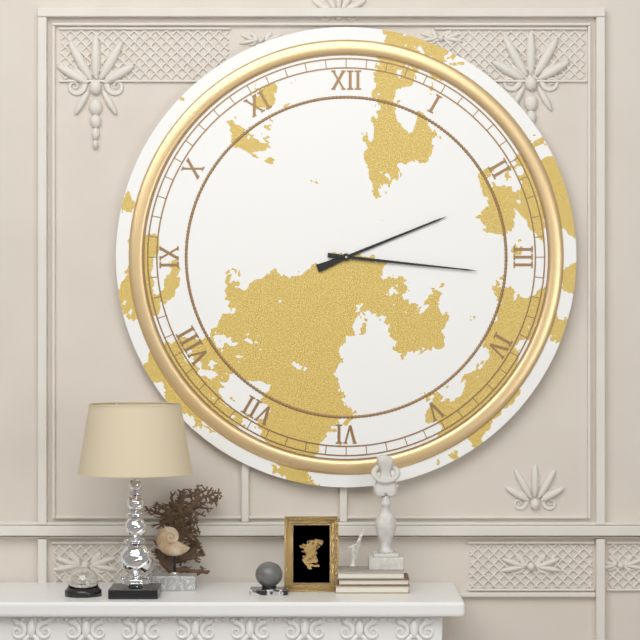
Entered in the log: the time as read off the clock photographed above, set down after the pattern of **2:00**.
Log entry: **2:16**
